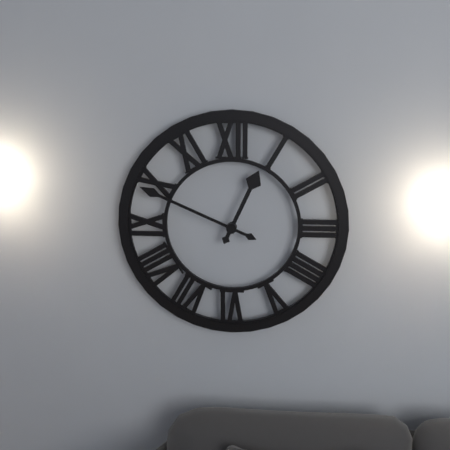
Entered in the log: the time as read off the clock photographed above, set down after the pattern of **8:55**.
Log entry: **12:49**
